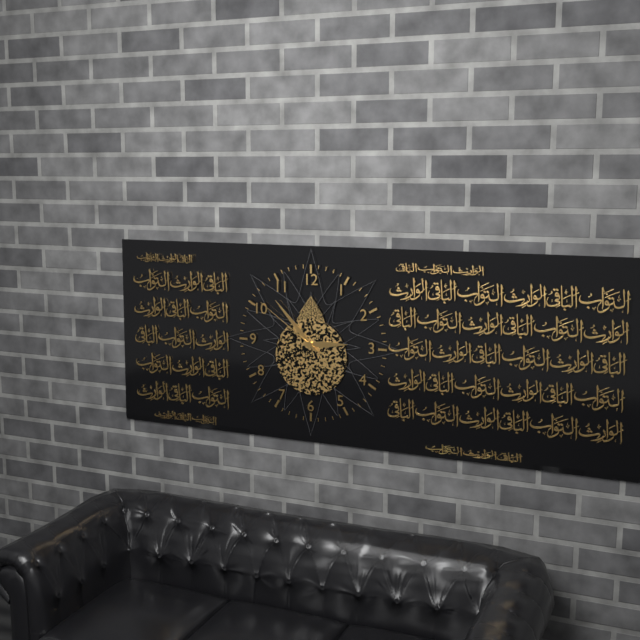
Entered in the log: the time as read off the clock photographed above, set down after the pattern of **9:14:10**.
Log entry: **2:53:51**
